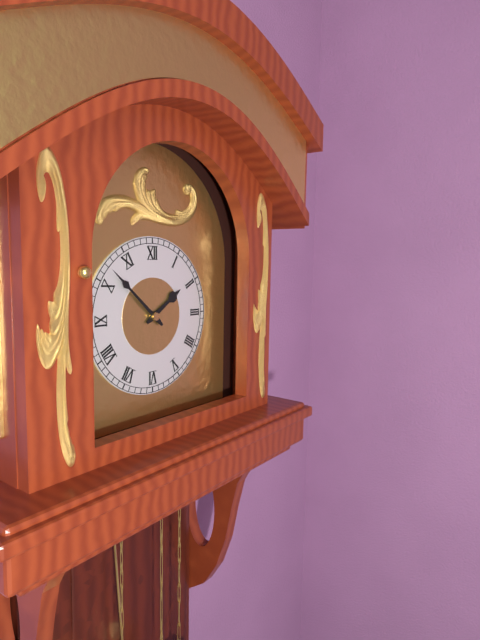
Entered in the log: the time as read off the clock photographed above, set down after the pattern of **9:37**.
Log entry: **1:52**
